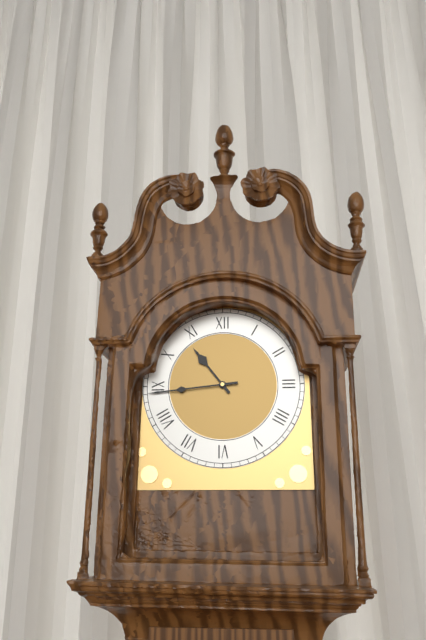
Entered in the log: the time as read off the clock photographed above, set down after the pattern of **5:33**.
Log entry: **10:44**
